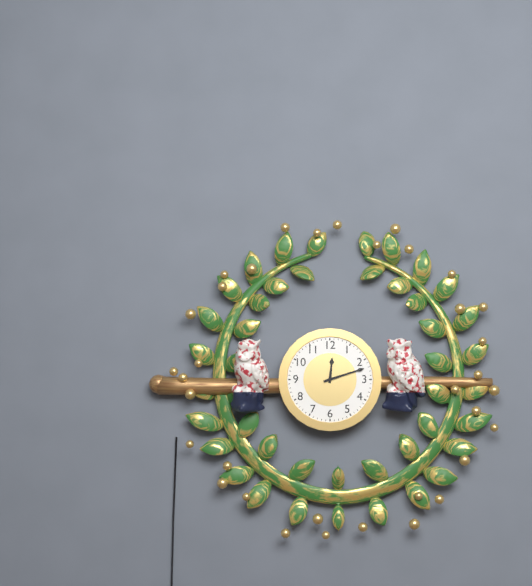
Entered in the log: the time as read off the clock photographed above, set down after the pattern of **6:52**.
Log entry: **12:12**
